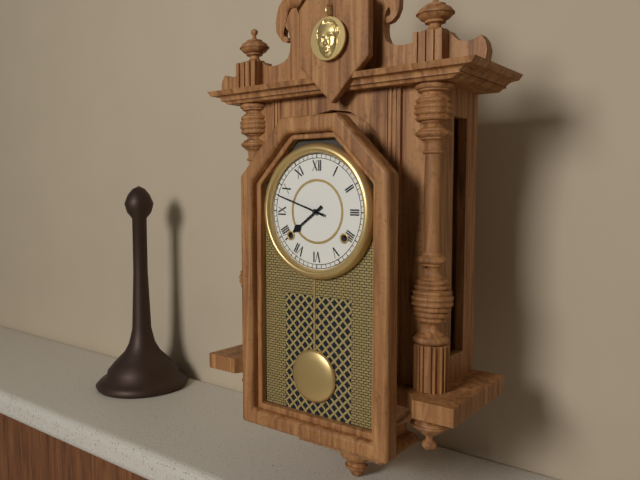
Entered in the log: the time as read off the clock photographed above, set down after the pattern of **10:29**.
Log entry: **7:48**
